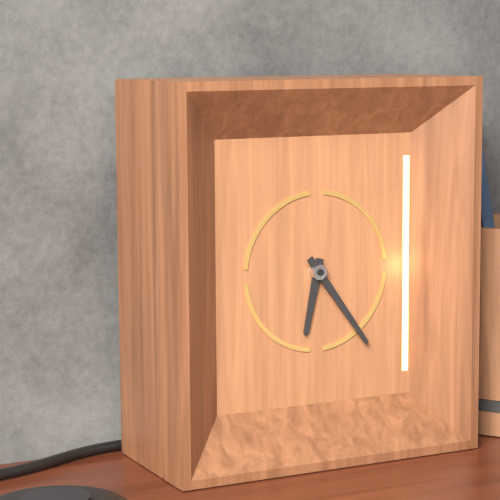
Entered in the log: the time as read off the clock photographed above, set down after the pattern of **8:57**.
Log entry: **6:24**
